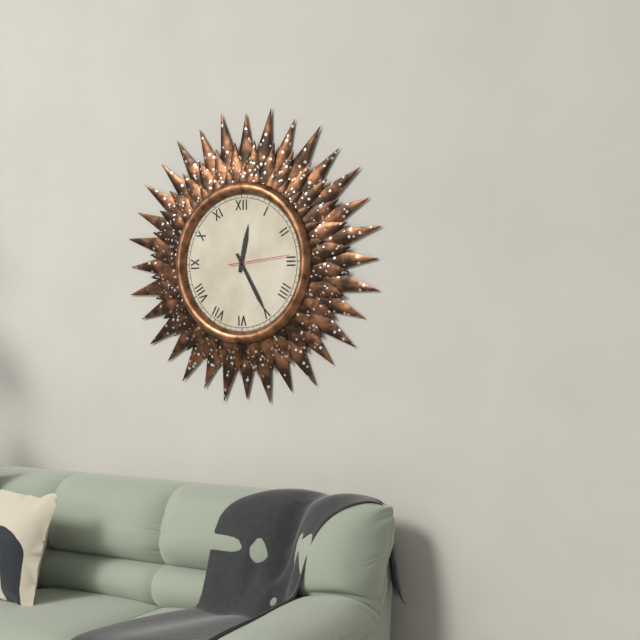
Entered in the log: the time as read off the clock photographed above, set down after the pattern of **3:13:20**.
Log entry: **12:25:14**
